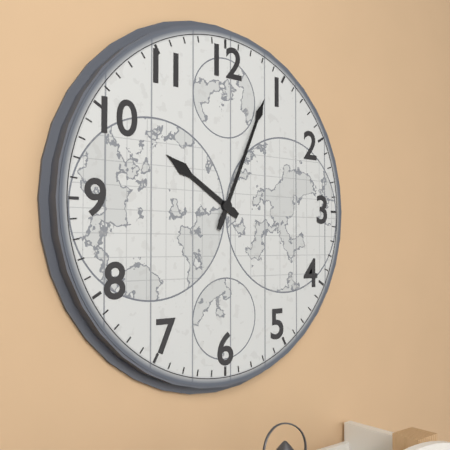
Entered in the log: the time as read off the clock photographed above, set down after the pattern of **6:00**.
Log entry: **10:04**
